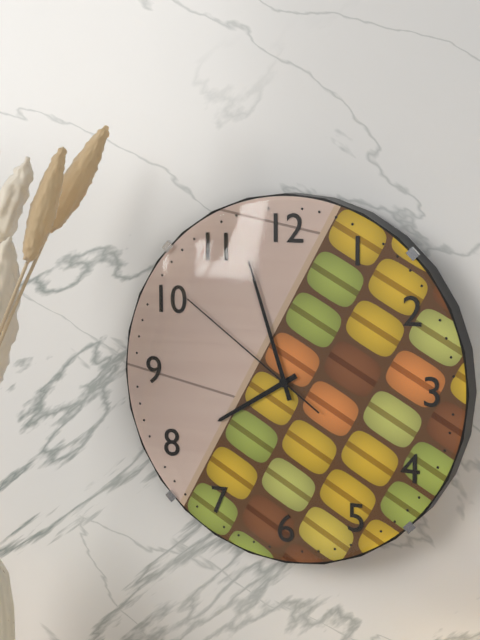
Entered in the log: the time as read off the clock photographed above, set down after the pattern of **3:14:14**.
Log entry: **7:57:51**
